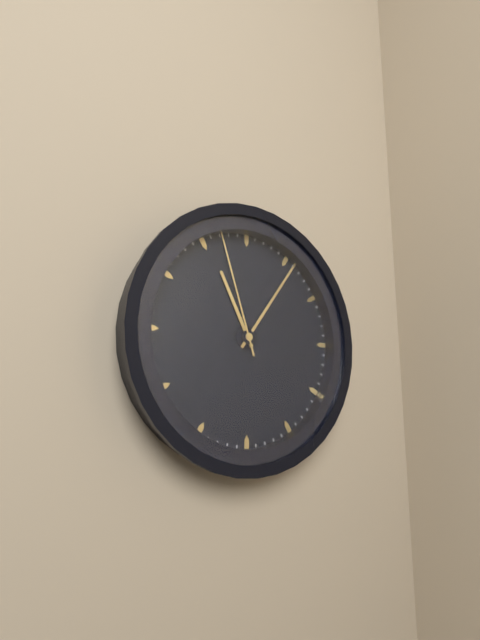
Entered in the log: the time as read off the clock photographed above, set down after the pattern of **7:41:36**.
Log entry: **11:06:57**
